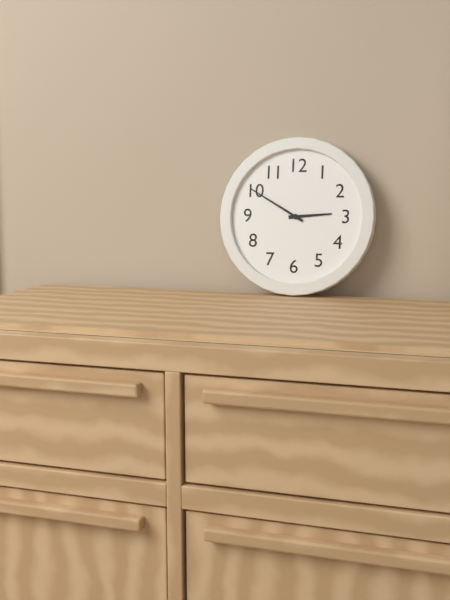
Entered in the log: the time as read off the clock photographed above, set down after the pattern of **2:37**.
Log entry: **2:50**
